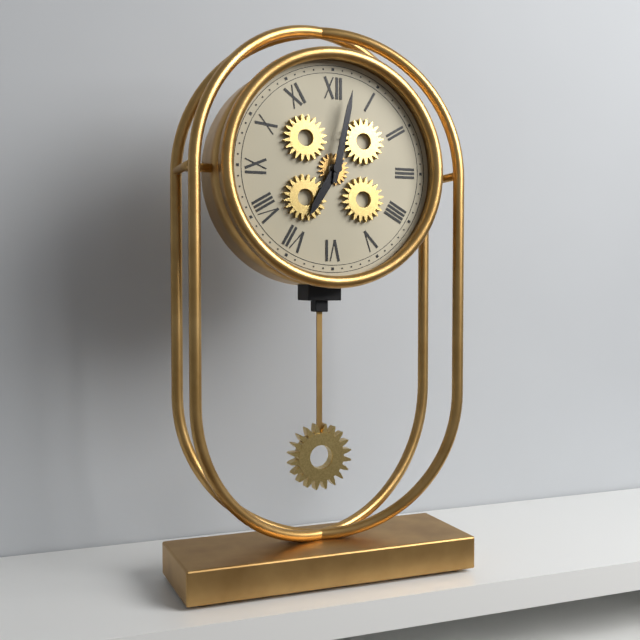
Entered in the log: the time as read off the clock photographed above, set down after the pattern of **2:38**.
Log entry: **7:02**
